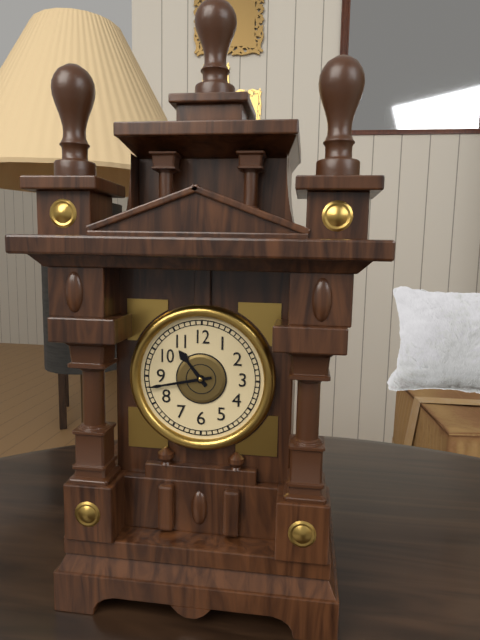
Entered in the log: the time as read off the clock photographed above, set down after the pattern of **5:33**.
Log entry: **10:43**
